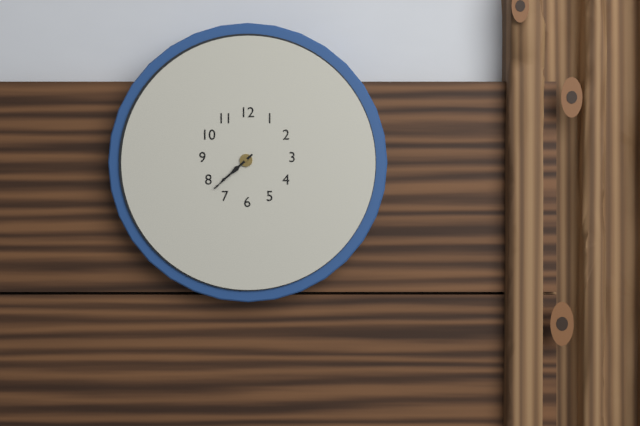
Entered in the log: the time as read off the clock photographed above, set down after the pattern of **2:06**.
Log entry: **7:38**
